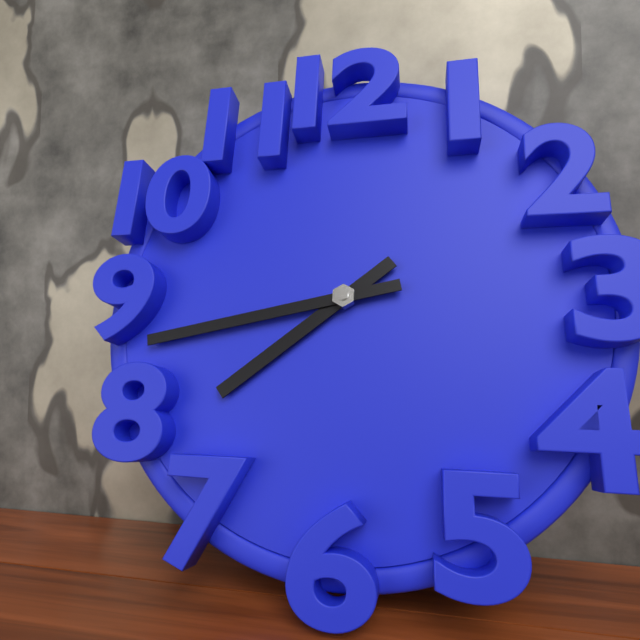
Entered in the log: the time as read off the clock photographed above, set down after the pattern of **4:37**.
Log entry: **7:43**
